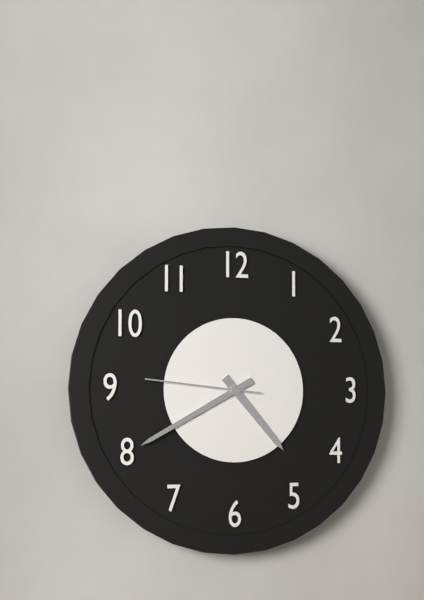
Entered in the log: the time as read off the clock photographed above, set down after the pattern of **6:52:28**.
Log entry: **4:40:46**
